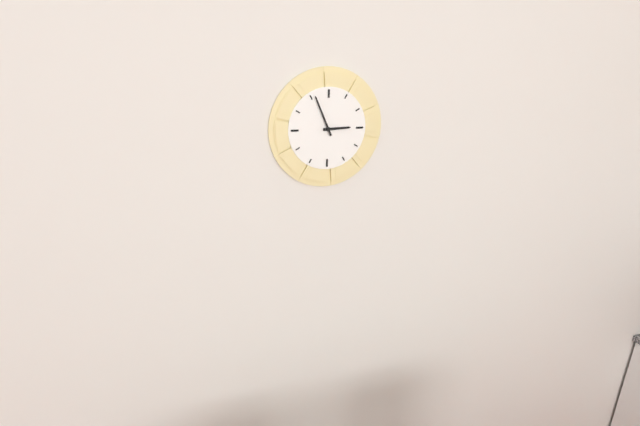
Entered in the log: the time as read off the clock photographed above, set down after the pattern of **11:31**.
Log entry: **2:56**
